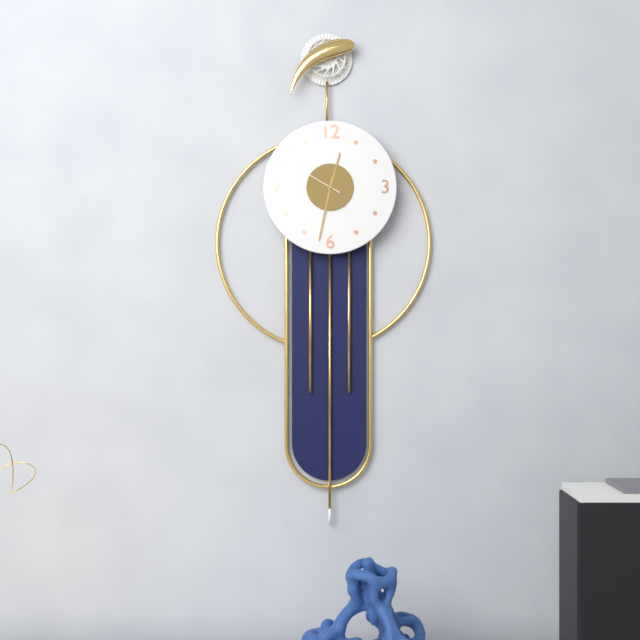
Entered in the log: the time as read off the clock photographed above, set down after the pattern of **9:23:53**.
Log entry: **12:32:50**
